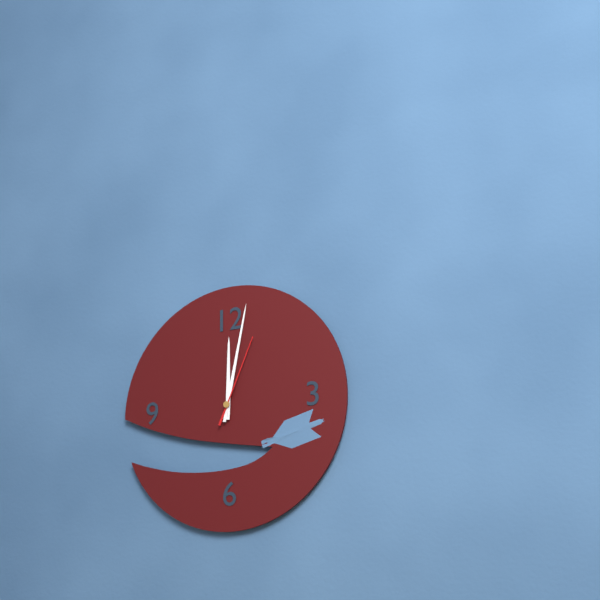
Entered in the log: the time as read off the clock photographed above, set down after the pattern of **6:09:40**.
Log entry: **12:02:04**
